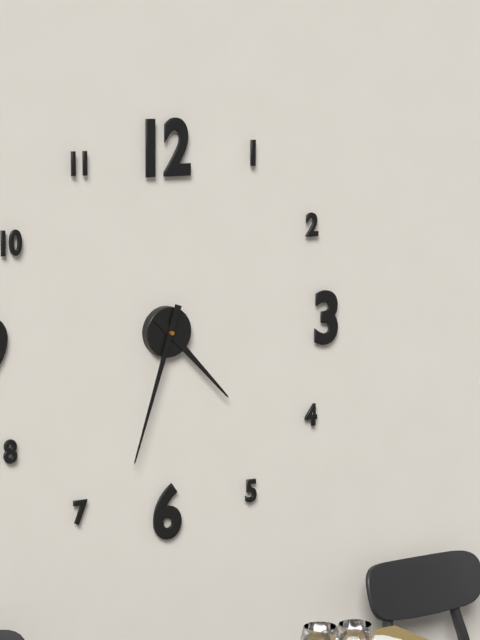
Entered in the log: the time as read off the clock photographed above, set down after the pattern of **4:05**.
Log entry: **4:33**
